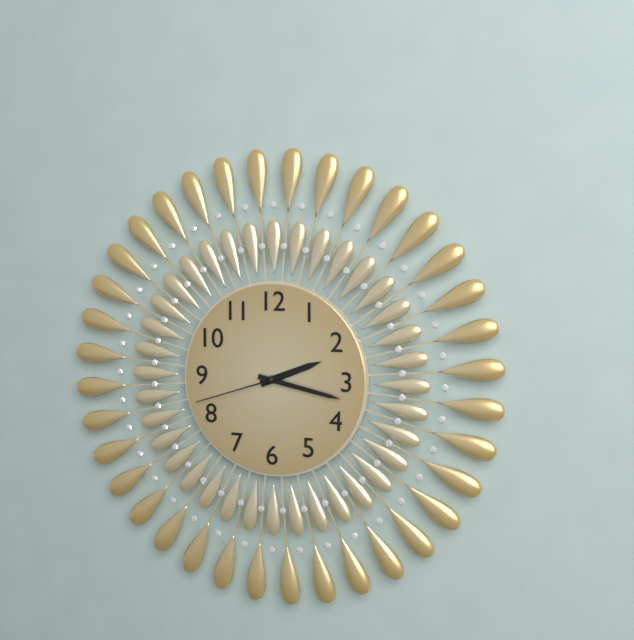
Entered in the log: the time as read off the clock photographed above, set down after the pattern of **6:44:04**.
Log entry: **2:17:42**
